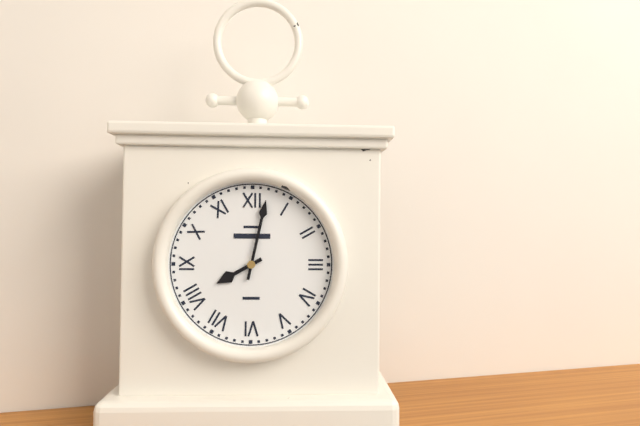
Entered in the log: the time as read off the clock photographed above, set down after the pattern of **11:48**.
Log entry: **8:02**
